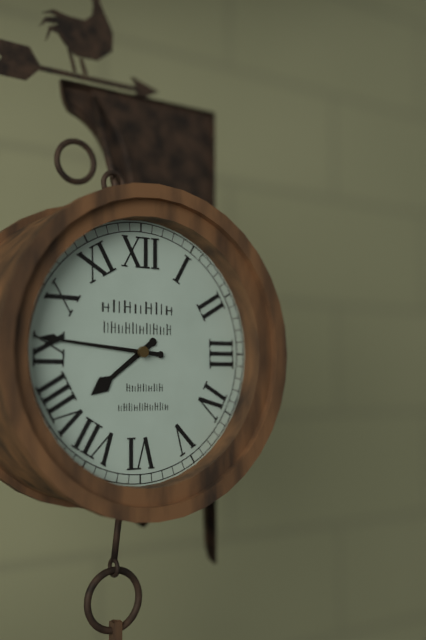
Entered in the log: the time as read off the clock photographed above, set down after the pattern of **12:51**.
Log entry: **7:46**
